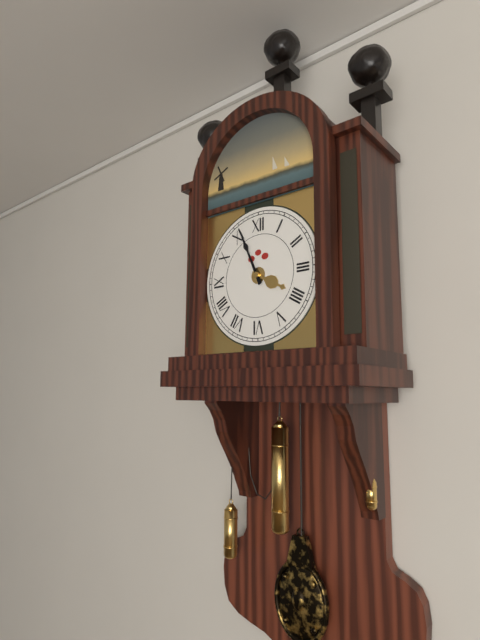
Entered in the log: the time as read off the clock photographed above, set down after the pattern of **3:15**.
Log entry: **3:56**
